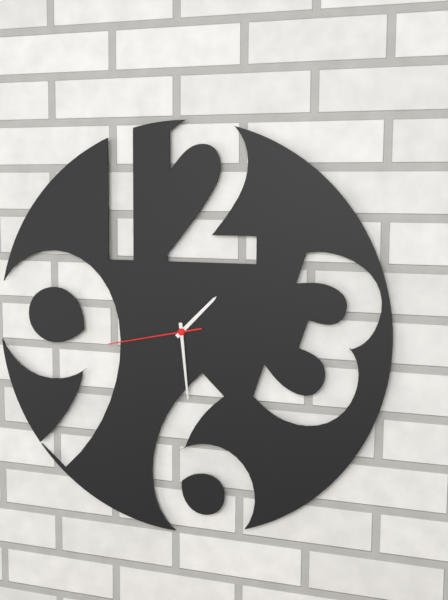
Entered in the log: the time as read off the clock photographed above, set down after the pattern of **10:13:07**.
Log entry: **1:29:43**
